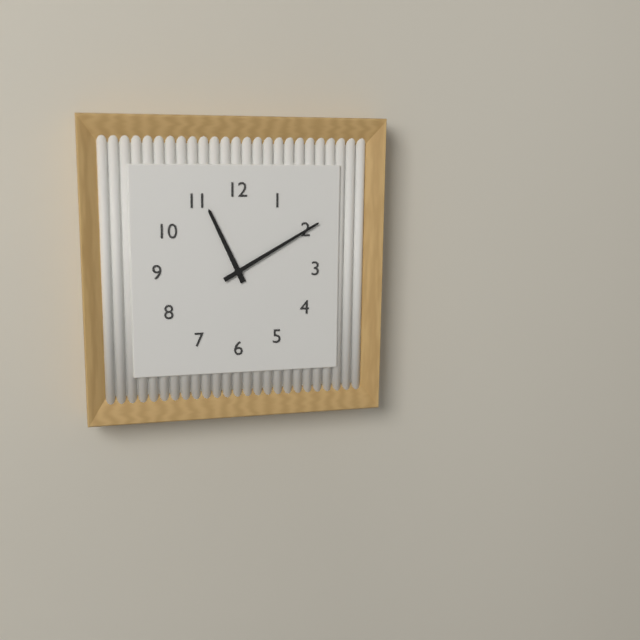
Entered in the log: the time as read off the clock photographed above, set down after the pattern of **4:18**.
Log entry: **11:10**
